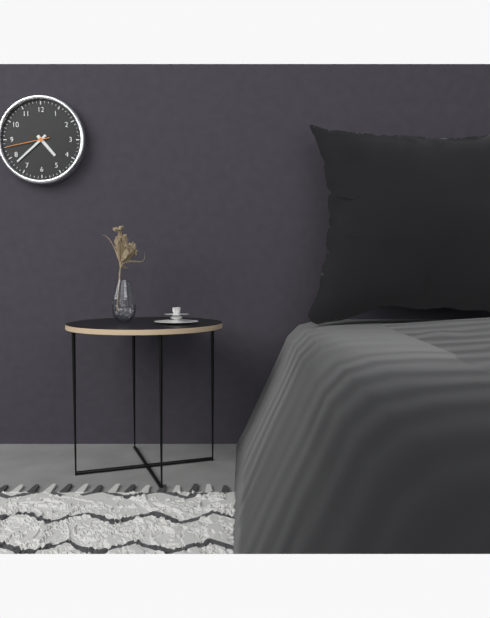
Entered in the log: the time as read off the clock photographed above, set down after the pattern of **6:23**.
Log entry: **4:38**
